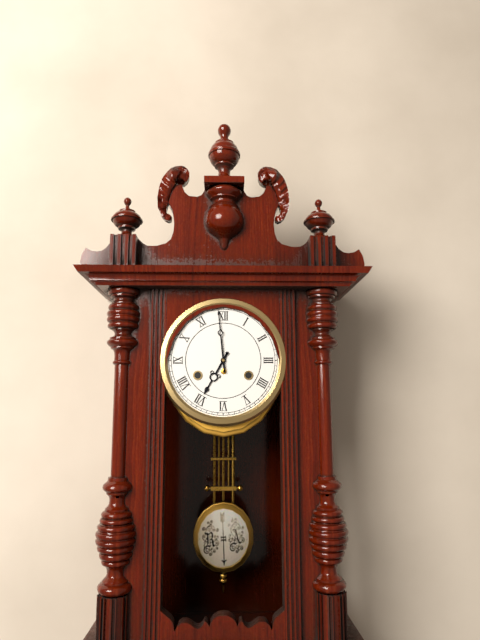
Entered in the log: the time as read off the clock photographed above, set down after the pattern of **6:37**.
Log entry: **6:59**
